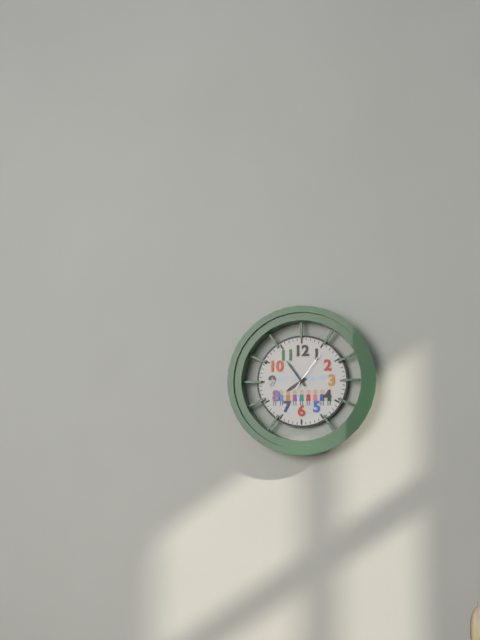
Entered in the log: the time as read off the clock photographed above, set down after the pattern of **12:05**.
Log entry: **7:54**
